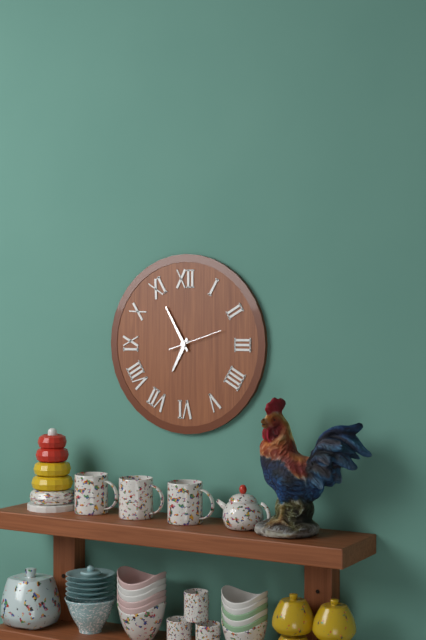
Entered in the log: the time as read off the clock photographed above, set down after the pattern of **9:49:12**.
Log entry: **6:55:12**
